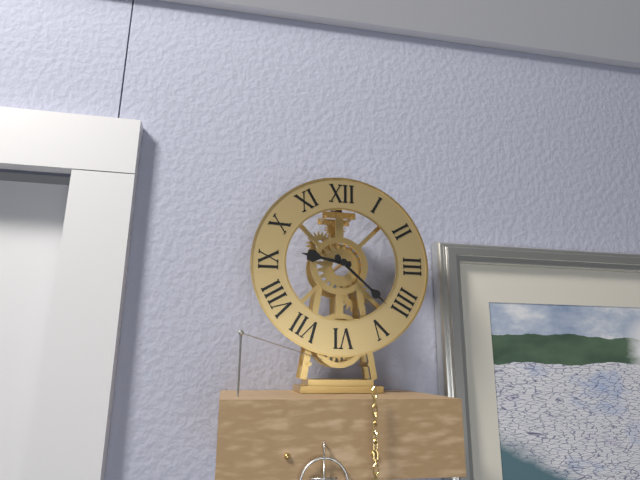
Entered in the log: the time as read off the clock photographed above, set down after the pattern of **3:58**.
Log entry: **9:22**
